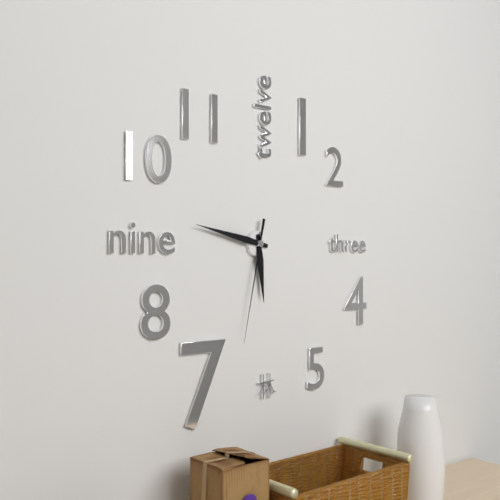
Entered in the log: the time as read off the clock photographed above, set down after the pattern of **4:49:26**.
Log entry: **5:47:32**
